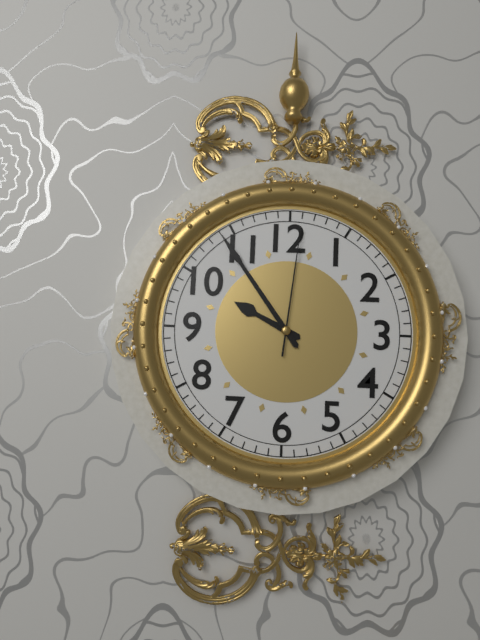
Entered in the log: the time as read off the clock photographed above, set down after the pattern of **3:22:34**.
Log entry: **9:54:01**
